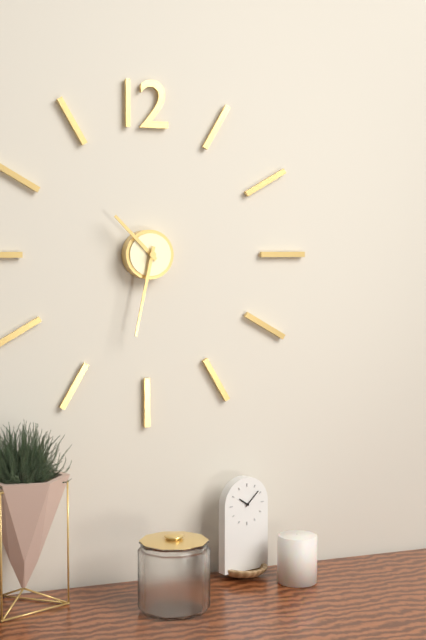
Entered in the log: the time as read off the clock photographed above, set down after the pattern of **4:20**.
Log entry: **10:32**
